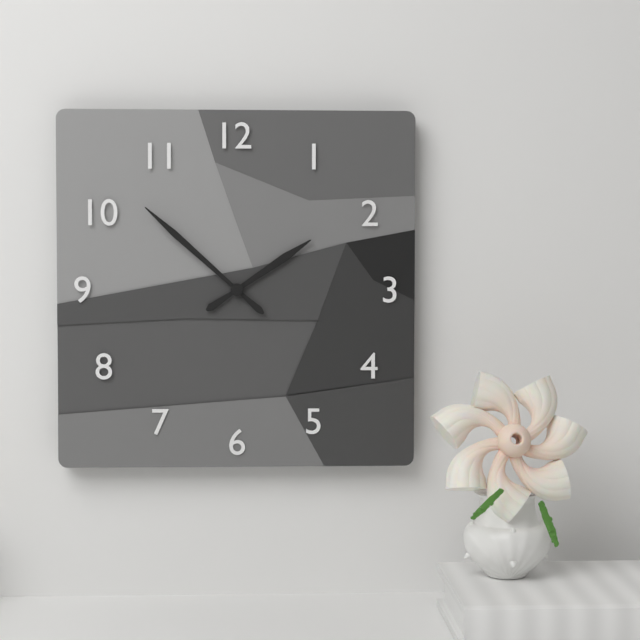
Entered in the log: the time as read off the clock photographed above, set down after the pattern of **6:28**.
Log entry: **1:52**
